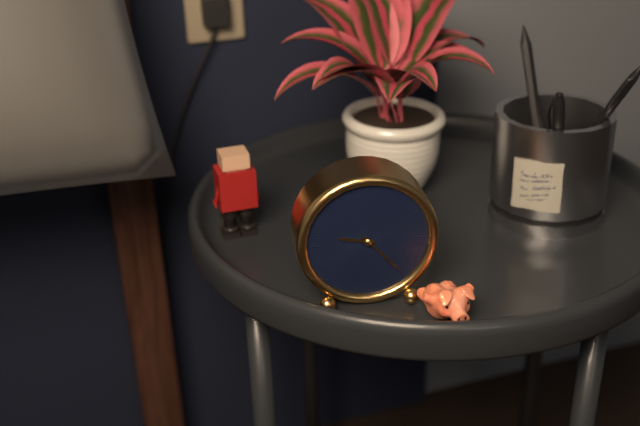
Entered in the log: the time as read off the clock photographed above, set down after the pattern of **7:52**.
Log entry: **9:23**
